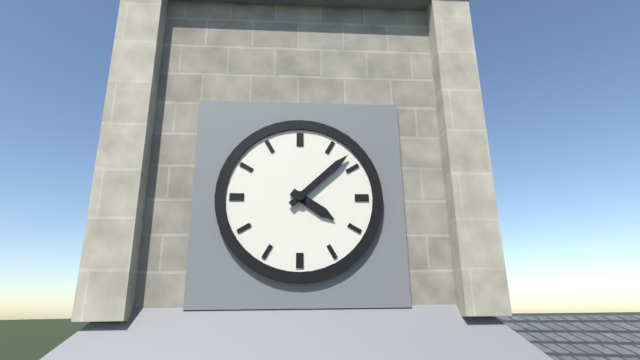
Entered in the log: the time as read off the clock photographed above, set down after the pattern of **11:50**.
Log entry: **4:08**
